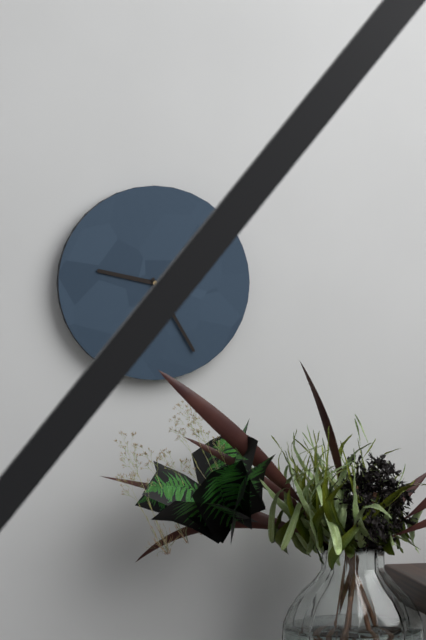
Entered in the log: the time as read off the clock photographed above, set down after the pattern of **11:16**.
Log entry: **9:25**
